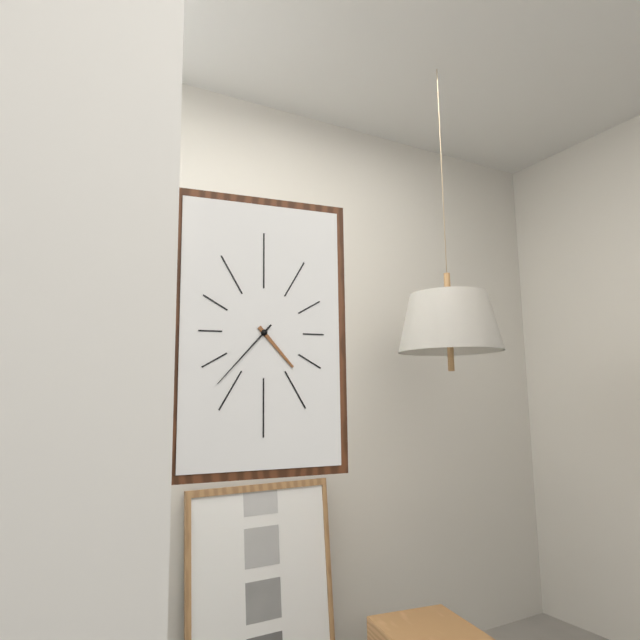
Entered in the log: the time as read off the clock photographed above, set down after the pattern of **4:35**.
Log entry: **4:37**
